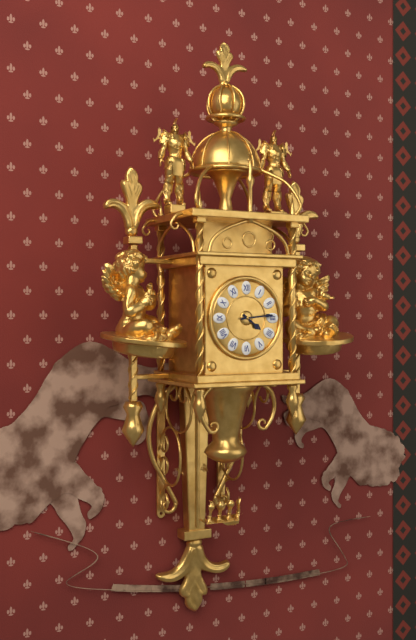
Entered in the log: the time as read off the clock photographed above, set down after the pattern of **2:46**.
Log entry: **4:14**
